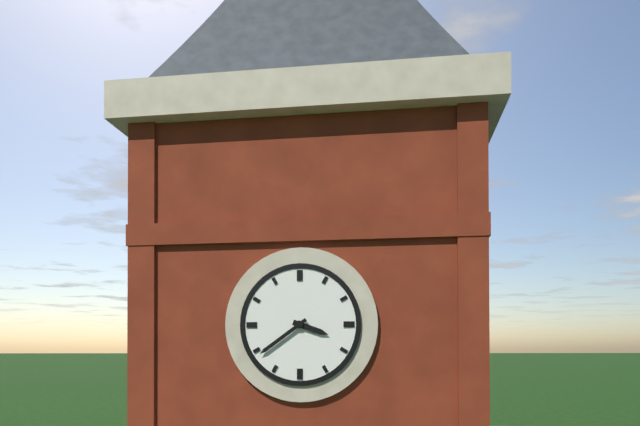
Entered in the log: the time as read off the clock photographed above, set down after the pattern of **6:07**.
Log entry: **3:39**
